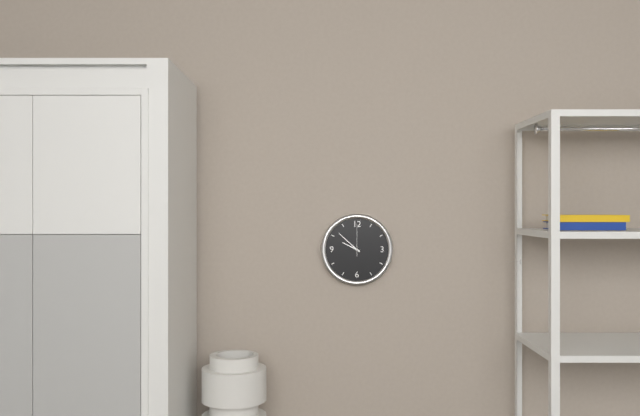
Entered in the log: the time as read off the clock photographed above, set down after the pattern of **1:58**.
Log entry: **9:52**
